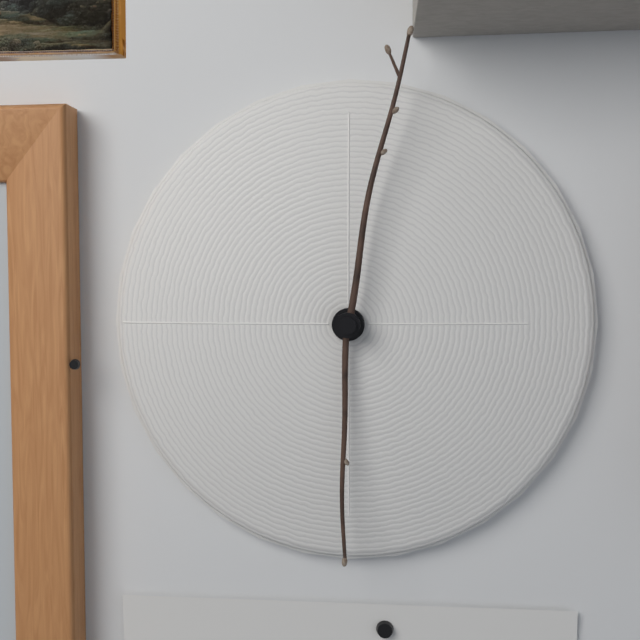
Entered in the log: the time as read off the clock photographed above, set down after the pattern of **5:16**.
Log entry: **6:02**
